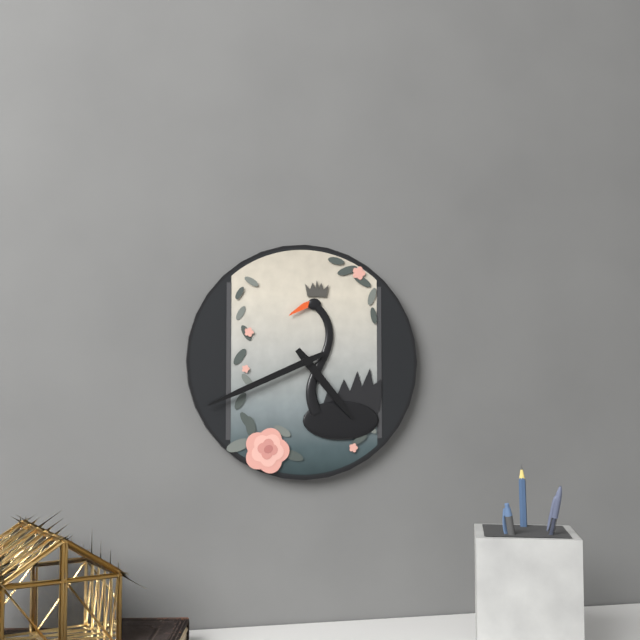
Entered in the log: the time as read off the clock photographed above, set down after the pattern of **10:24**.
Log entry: **4:41**
